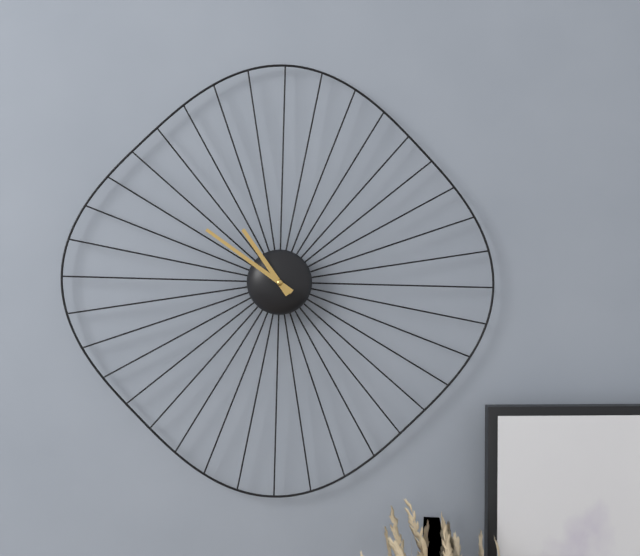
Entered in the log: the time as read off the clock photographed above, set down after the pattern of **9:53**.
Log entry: **10:51**
